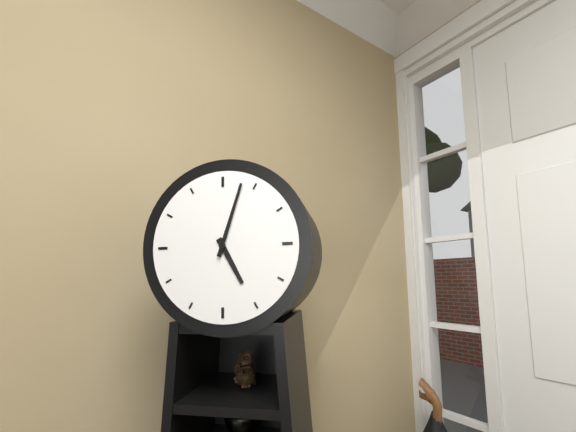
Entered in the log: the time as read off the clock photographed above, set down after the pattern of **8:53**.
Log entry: **5:03**
